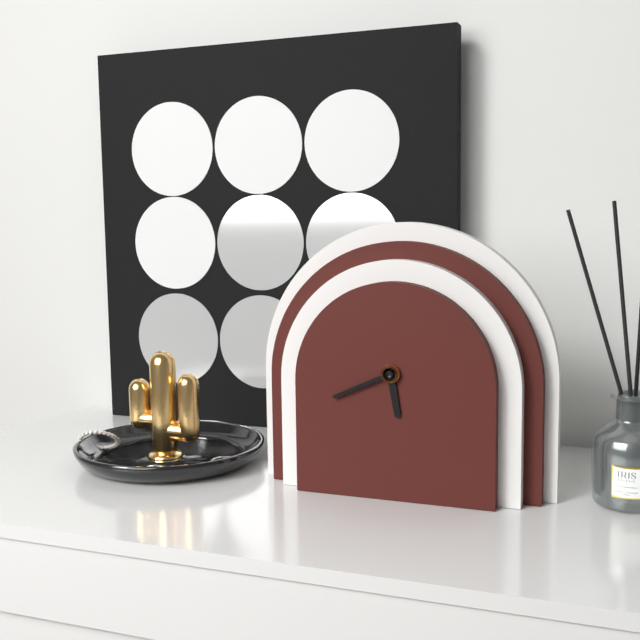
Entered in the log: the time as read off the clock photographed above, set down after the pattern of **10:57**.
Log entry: **5:41**
